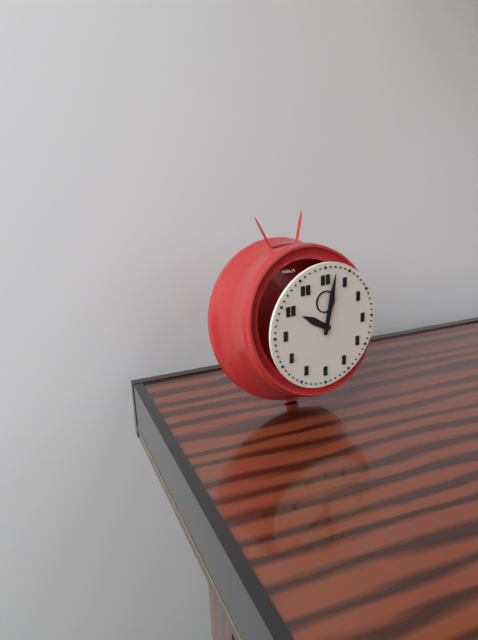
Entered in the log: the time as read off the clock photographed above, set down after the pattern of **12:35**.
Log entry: **10:02**
